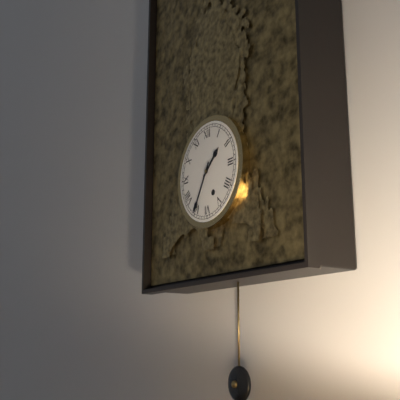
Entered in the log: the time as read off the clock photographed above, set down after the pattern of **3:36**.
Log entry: **1:35**
